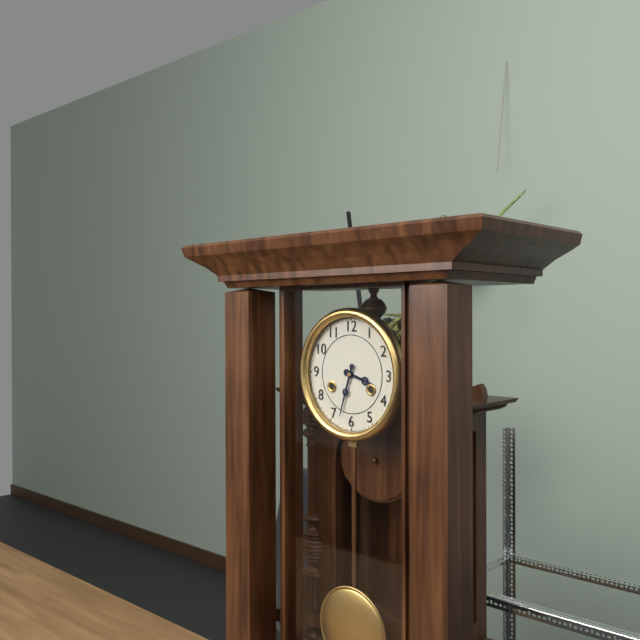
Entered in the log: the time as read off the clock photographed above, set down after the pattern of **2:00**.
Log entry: **3:33**
